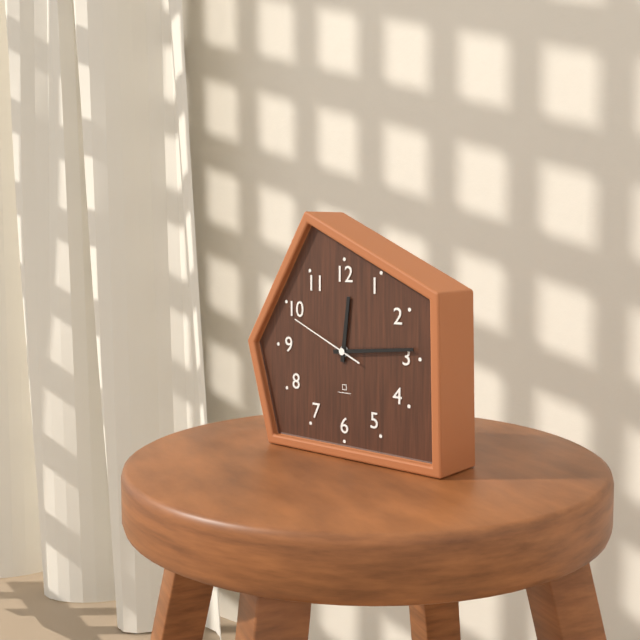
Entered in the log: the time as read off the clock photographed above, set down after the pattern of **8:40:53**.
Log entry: **12:14:49**
